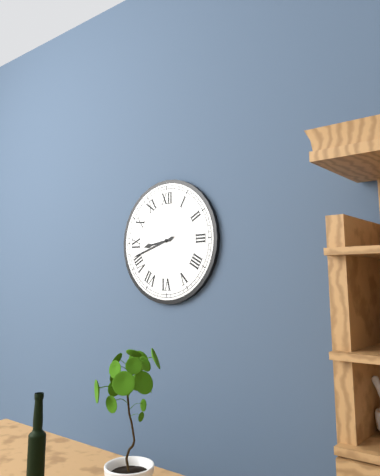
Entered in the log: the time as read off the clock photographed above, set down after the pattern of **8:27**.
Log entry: **8:42**
